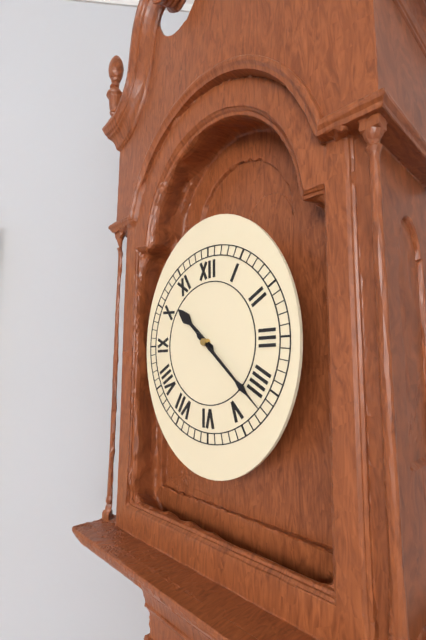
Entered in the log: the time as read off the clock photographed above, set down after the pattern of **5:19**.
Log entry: **10:22**
